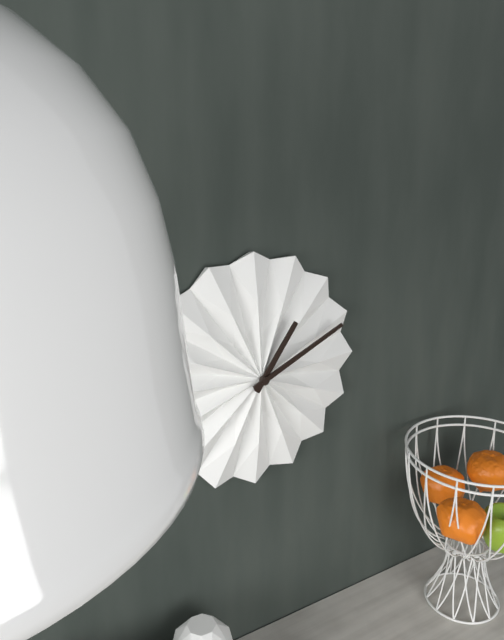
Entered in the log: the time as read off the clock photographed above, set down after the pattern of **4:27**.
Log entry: **1:11**
